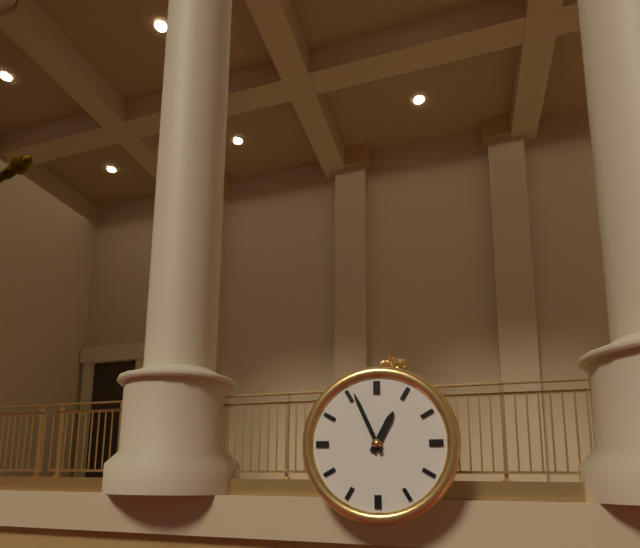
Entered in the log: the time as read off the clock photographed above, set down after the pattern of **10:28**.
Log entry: **12:56**
